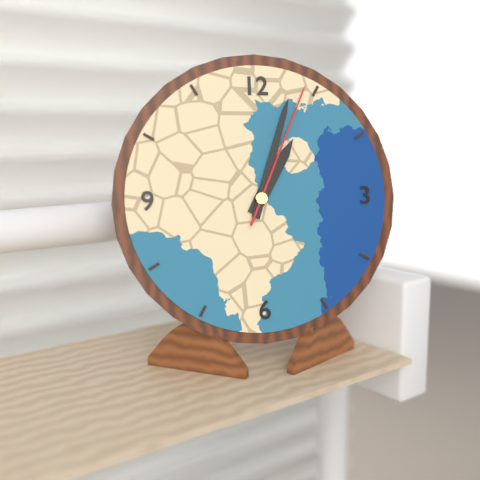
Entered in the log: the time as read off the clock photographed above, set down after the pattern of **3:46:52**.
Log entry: **1:03:04**
